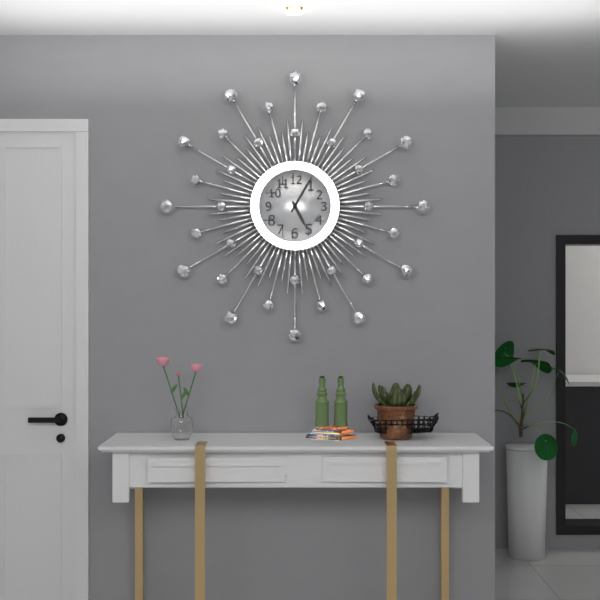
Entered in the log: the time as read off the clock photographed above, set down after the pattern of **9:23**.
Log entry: **5:05**
